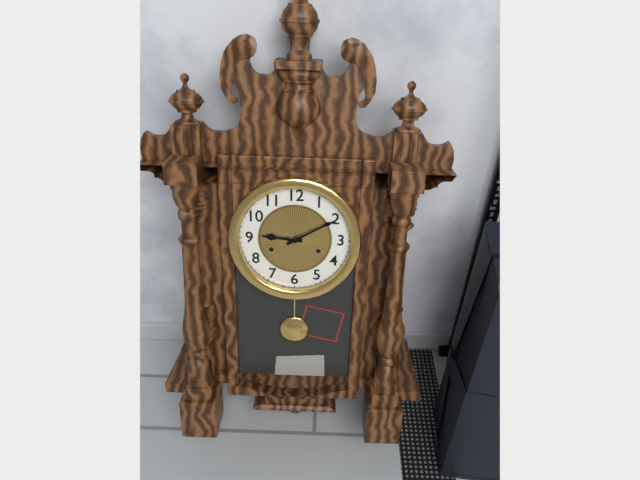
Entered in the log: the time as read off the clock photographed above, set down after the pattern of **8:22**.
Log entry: **9:10**
